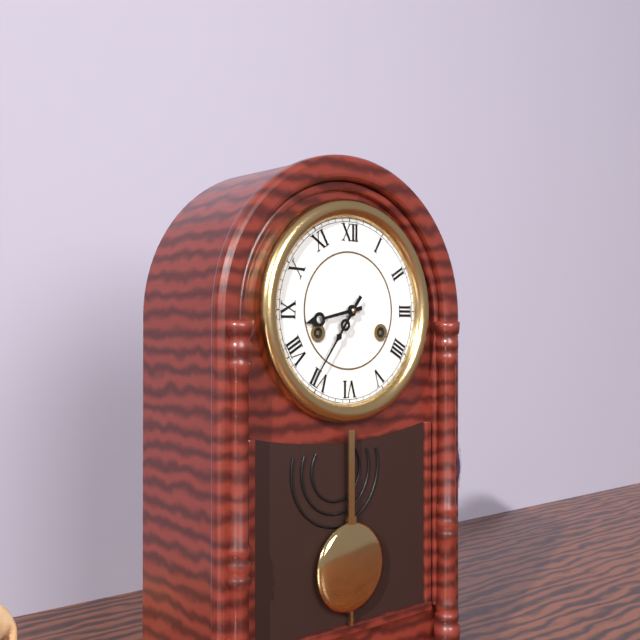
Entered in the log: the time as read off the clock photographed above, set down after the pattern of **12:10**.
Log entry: **8:36**
